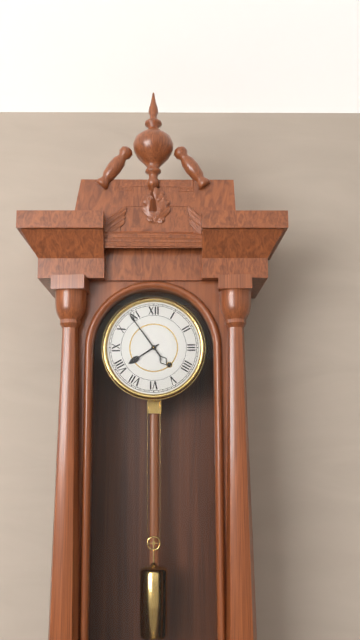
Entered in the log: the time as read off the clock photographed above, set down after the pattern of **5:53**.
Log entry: **7:54**
